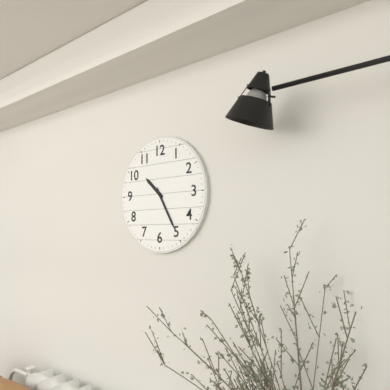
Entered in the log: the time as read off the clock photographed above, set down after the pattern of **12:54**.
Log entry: **10:25**
